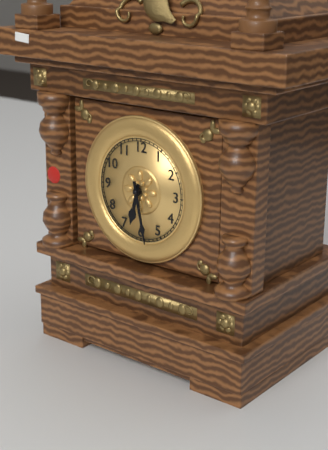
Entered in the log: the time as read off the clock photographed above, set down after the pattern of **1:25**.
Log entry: **6:28**
